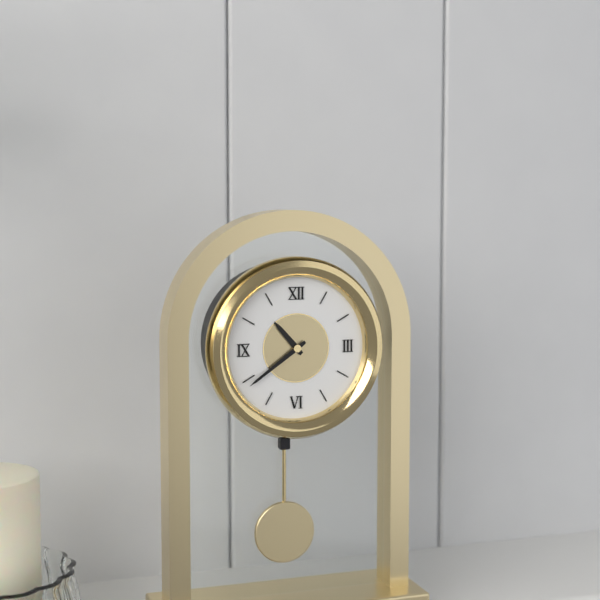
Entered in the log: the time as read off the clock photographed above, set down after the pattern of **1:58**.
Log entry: **10:39**
